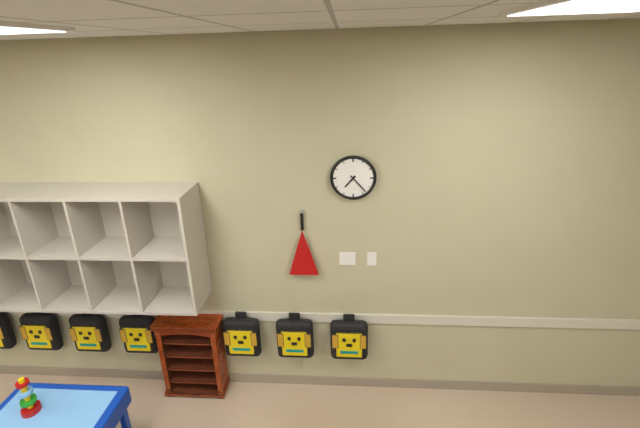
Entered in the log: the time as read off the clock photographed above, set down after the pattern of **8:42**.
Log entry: **7:23**
